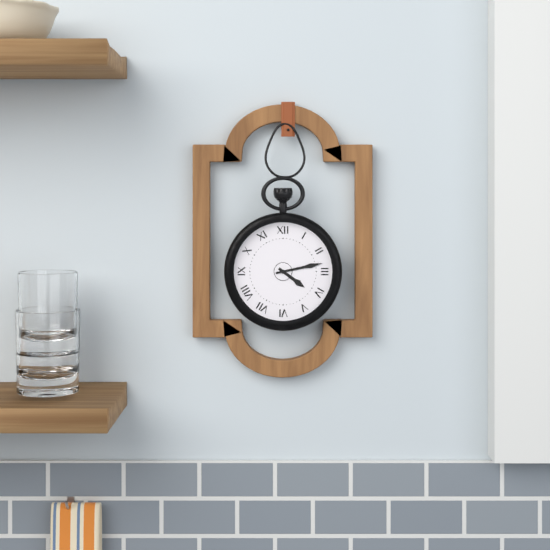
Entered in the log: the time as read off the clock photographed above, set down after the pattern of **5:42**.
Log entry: **4:13**
